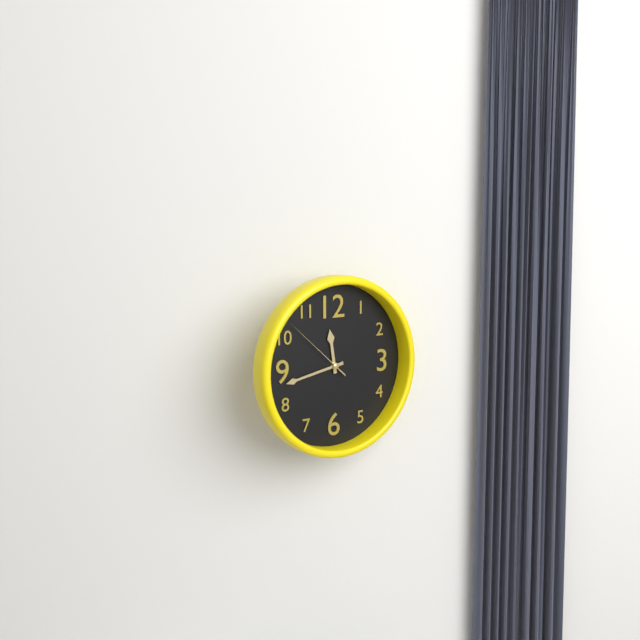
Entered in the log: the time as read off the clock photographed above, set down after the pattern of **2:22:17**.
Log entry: **11:43:52**
